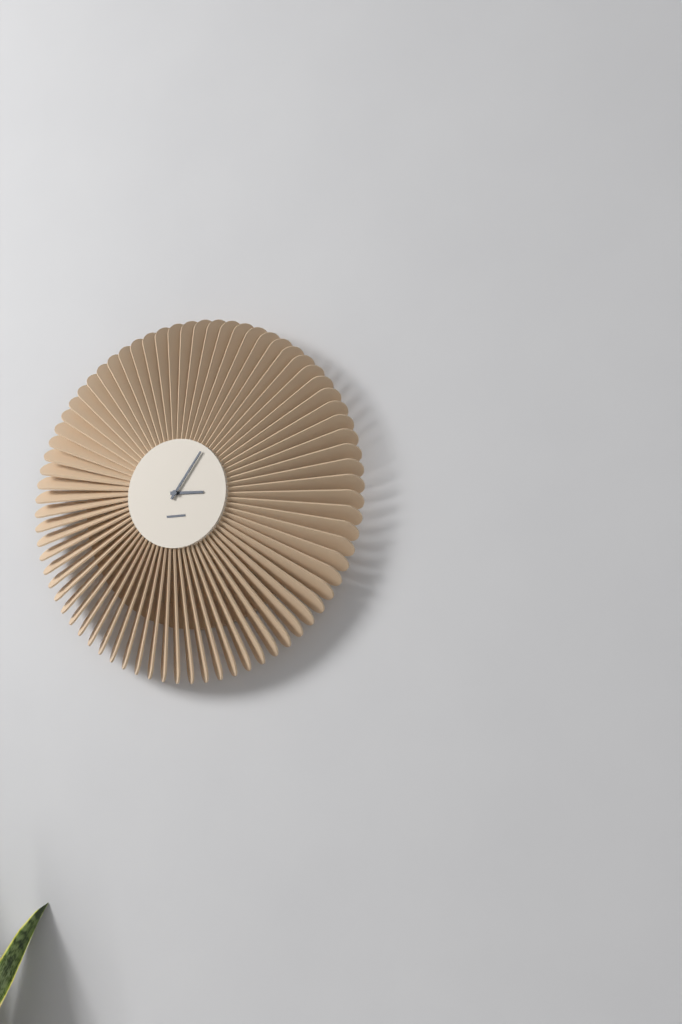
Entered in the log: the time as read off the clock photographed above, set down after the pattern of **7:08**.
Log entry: **3:06**
